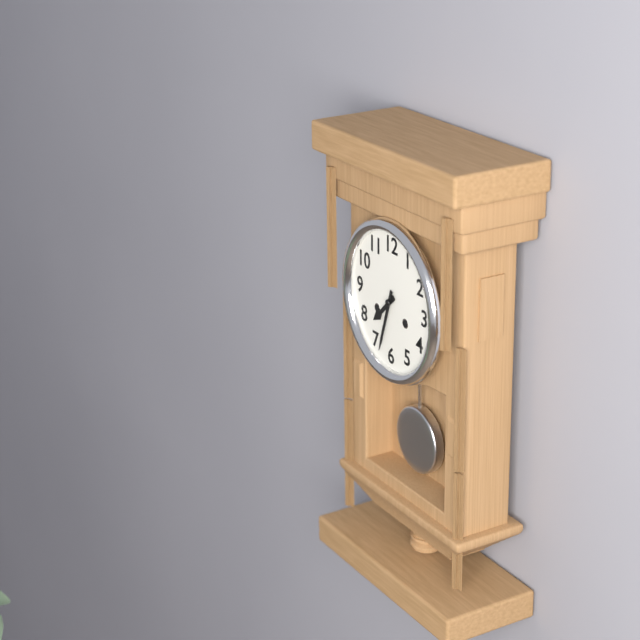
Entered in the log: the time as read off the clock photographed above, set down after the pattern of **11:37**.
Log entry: **7:33**
